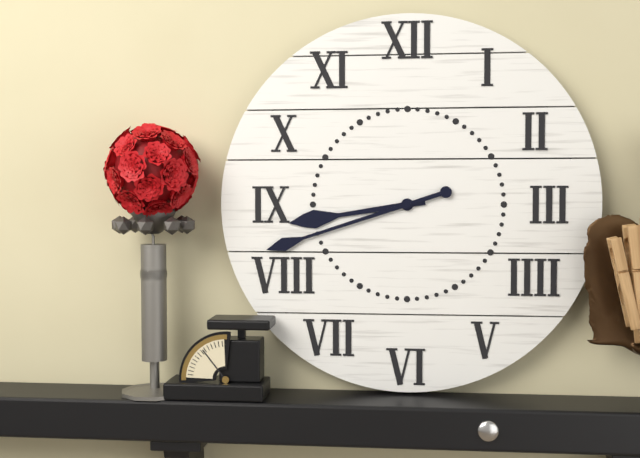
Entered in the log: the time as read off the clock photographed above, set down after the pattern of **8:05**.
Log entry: **8:42**
